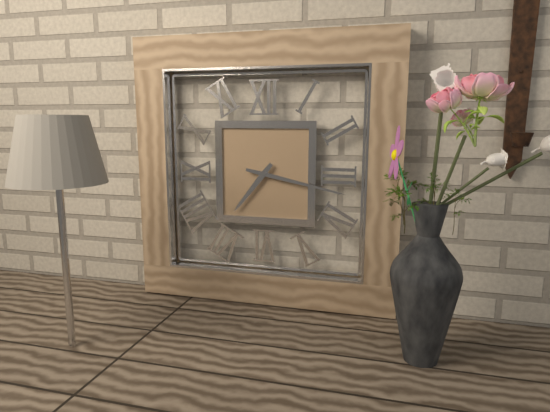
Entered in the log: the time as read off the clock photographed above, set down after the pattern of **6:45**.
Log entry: **7:17**
